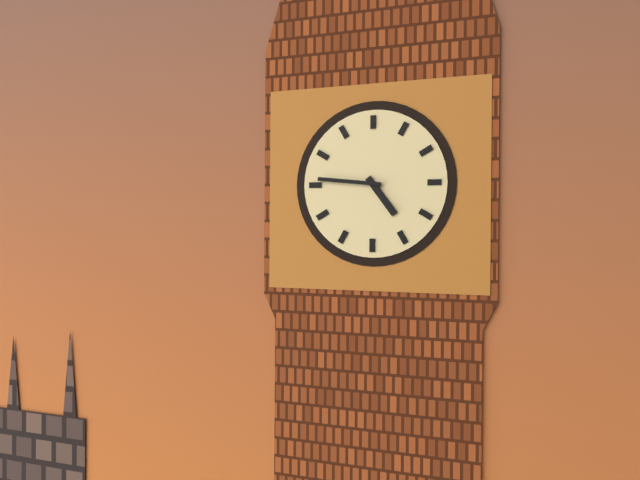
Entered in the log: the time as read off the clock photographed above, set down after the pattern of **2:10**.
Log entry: **4:46**
